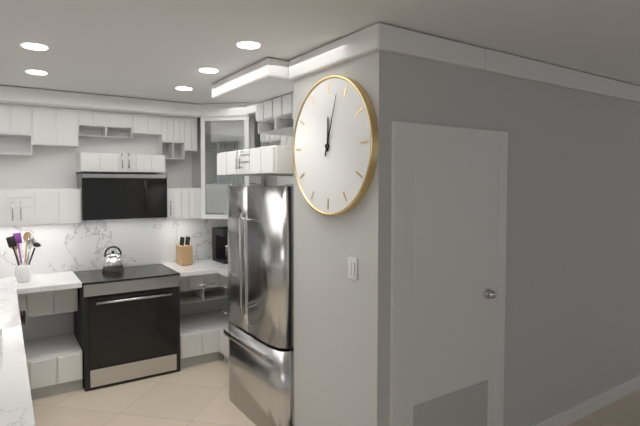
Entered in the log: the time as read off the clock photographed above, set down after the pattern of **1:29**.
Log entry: **12:03**
